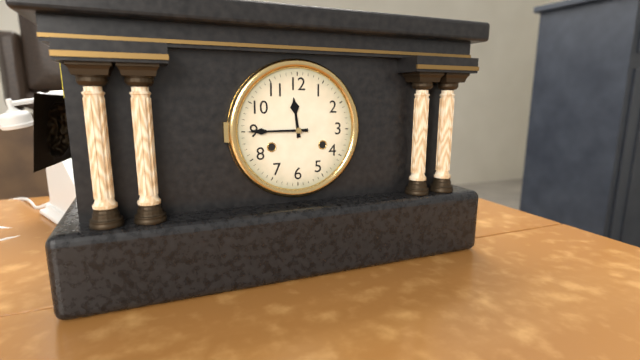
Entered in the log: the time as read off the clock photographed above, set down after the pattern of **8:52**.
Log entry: **11:45**
